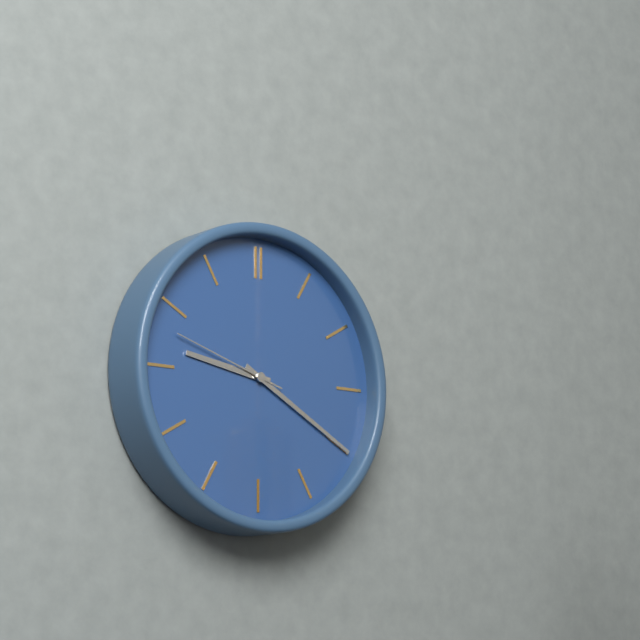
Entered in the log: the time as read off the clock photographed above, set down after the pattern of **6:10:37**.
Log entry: **9:20:48**
